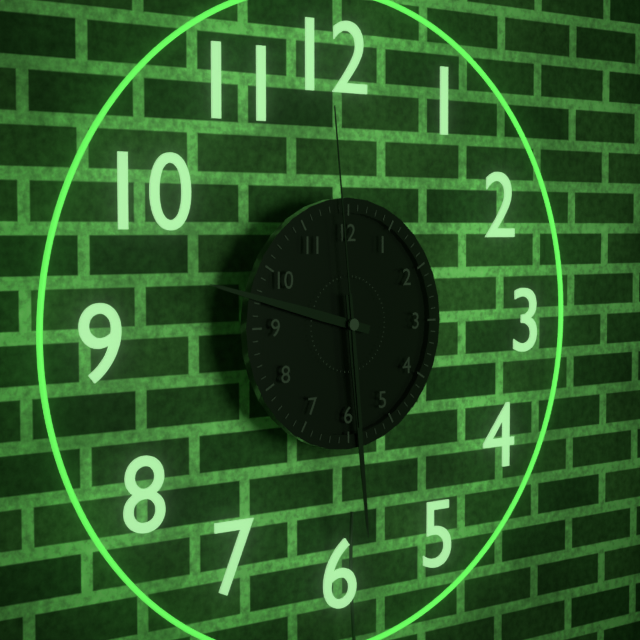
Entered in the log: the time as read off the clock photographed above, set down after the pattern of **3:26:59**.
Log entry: **9:29:59**
